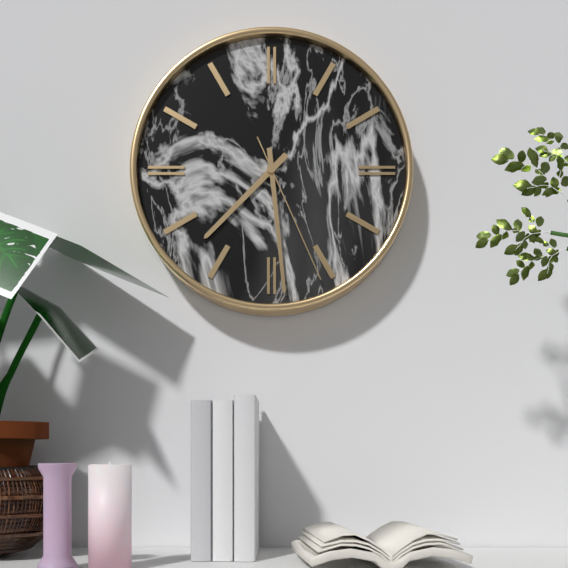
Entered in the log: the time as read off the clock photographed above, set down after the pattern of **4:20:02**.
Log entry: **7:29:26**
